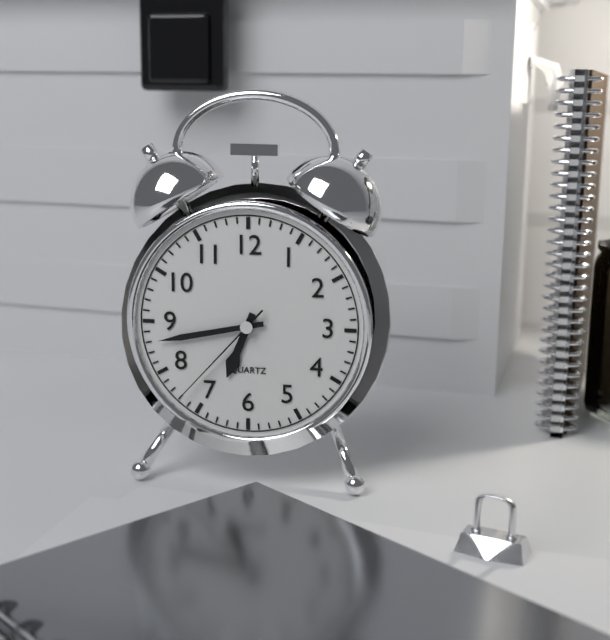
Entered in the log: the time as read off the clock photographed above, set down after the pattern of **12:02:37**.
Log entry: **6:43:37**
